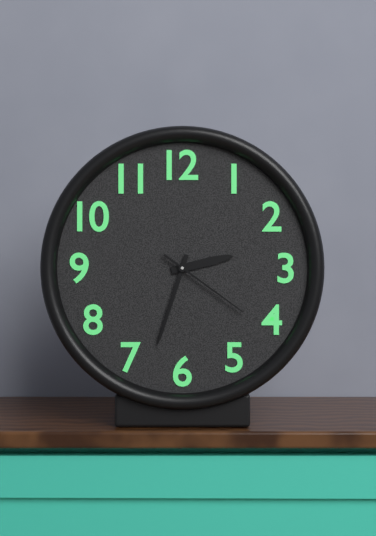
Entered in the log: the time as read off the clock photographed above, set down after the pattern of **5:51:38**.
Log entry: **2:33:21**
